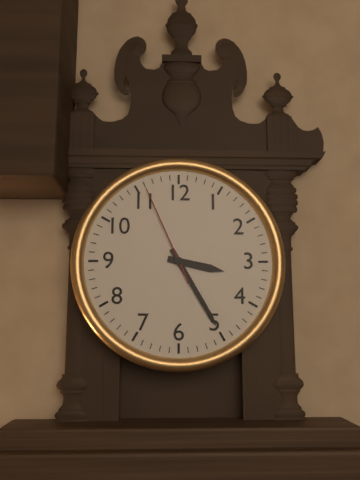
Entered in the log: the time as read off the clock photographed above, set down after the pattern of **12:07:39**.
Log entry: **3:25:56**
